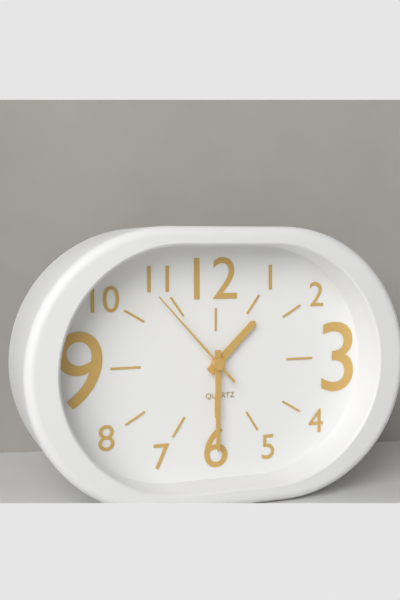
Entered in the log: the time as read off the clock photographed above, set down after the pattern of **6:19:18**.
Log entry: **1:30:53**
